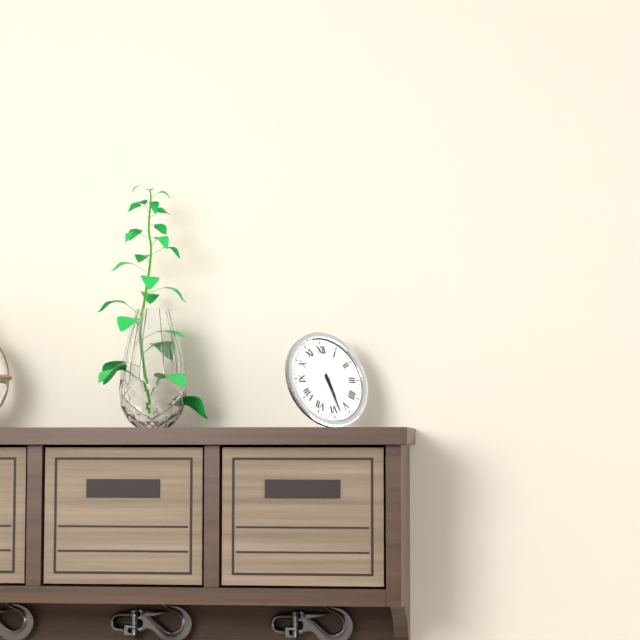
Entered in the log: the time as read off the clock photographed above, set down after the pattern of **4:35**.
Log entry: **5:28**
